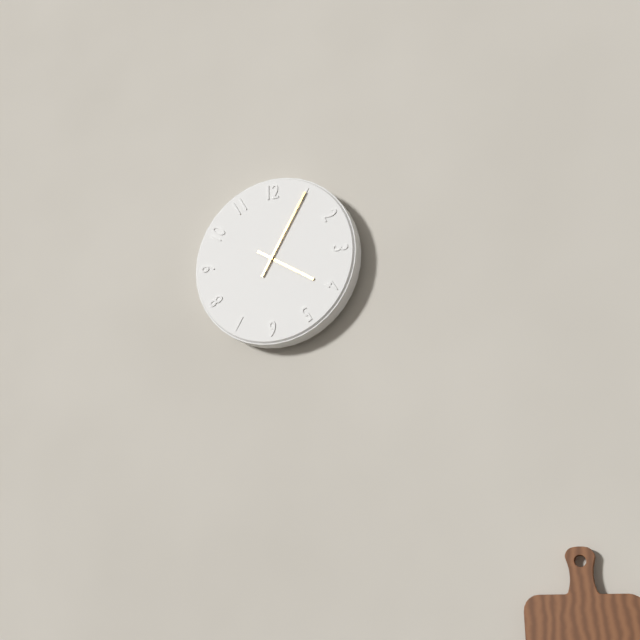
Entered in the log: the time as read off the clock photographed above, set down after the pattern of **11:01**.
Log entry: **4:05**
